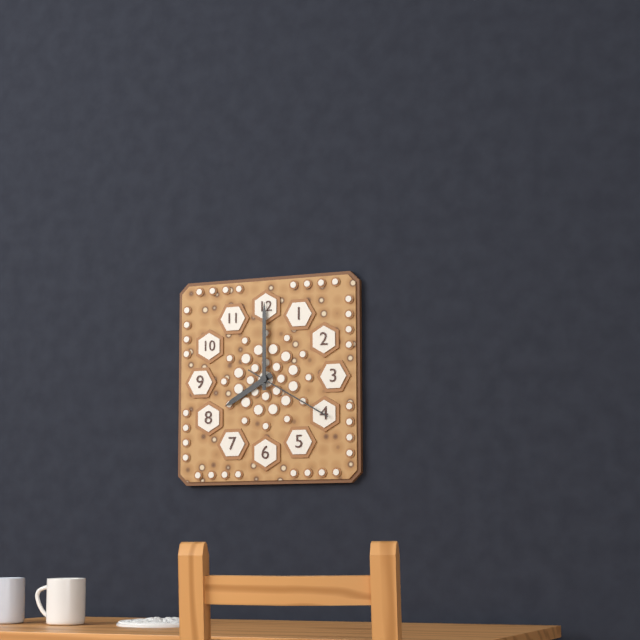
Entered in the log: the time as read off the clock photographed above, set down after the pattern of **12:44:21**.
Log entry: **8:00:20**
